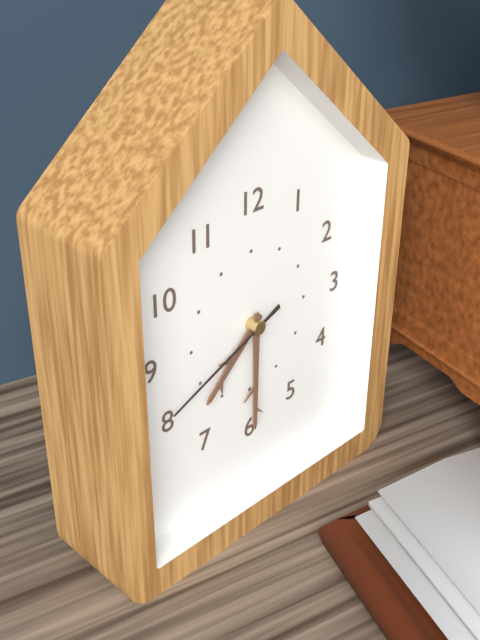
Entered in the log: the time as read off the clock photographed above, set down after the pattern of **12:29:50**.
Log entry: **7:30:41**
